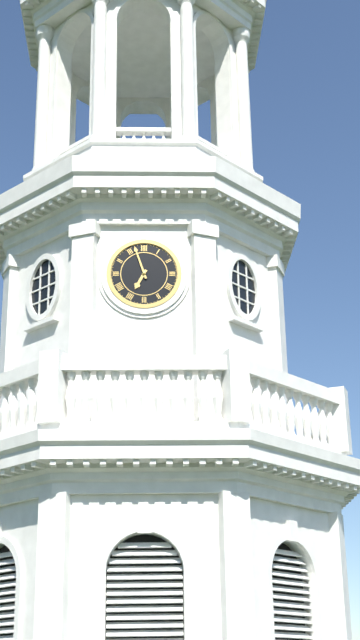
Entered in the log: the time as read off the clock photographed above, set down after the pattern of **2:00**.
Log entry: **6:57**
